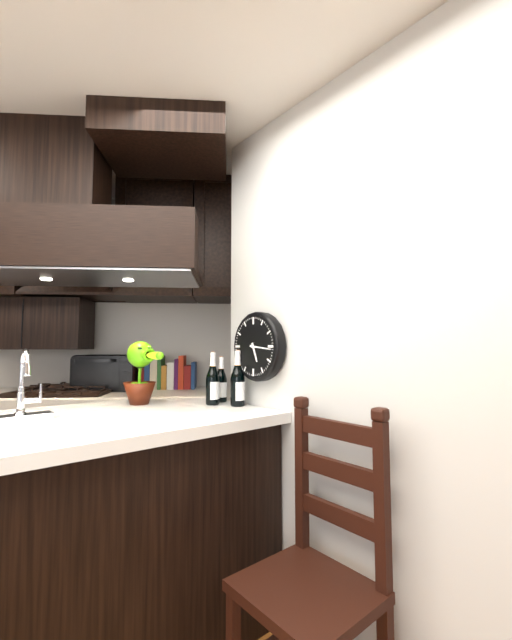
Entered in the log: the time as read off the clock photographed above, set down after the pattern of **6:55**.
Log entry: **5:16**
